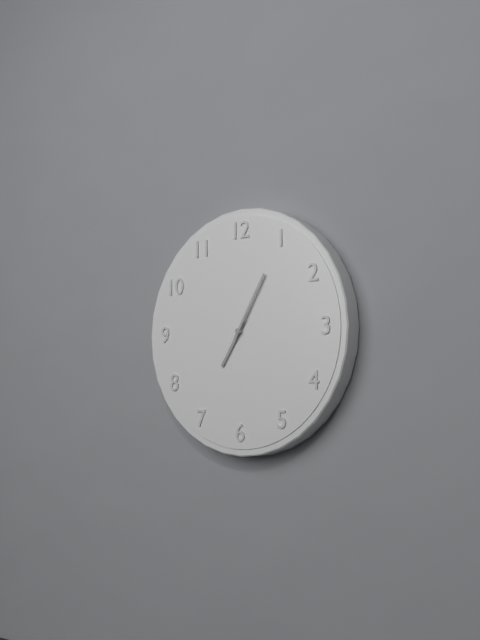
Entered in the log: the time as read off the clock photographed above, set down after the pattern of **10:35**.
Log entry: **7:05**
